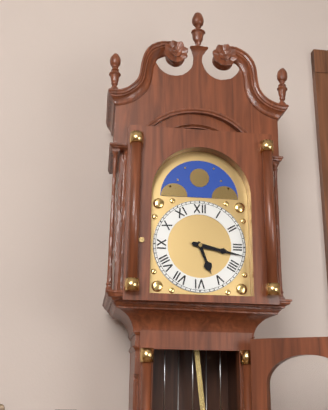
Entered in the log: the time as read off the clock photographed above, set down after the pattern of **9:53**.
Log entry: **5:17**
